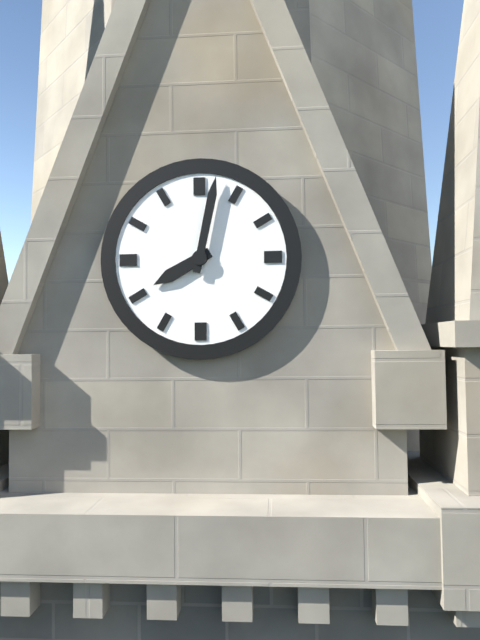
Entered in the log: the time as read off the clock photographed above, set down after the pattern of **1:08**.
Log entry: **8:02**
